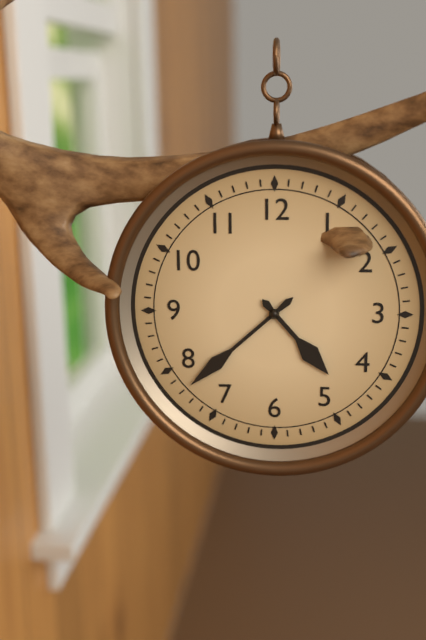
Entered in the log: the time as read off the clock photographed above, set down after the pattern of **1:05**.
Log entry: **4:38**
